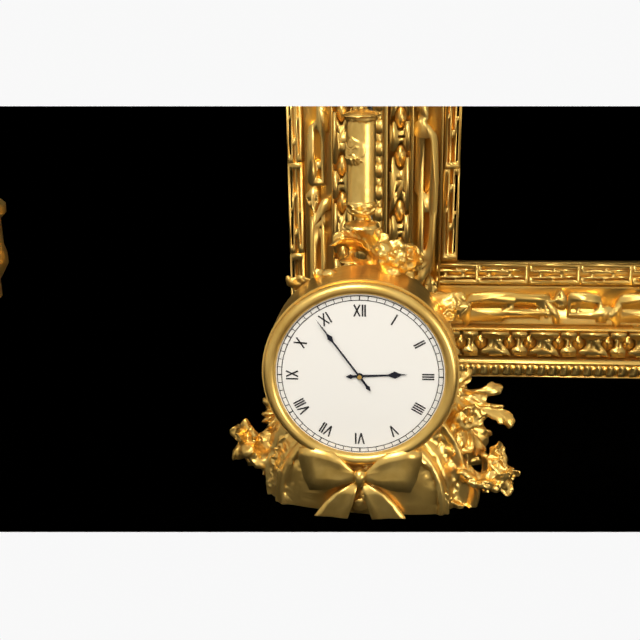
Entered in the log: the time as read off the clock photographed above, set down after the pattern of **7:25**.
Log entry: **2:54**
